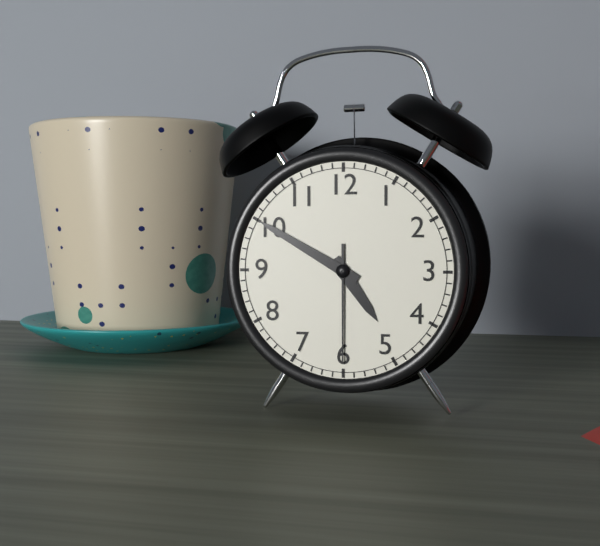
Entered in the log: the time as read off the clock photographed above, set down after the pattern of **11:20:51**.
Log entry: **4:50:30**
